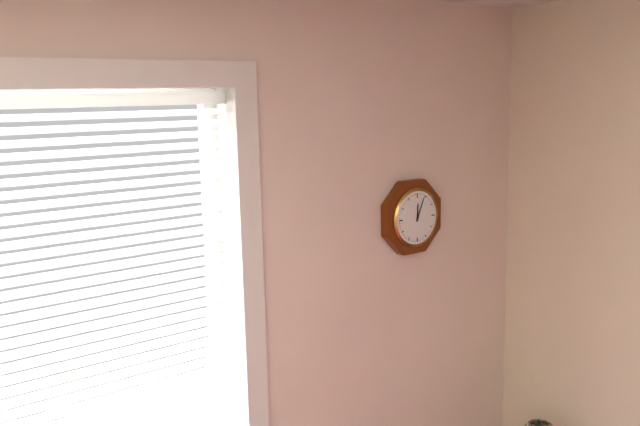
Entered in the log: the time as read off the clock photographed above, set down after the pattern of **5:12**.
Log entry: **12:04**
